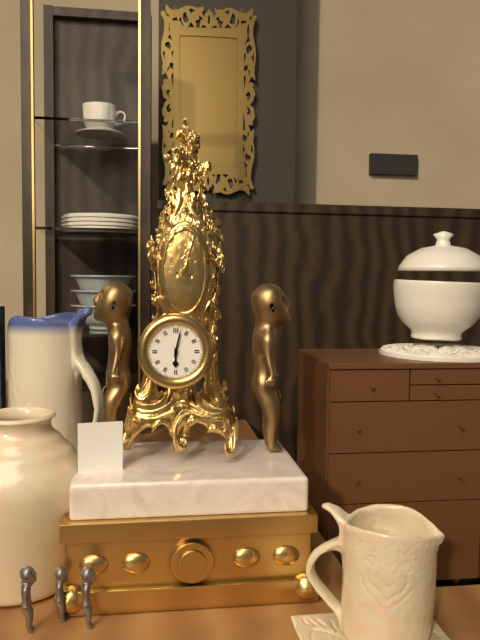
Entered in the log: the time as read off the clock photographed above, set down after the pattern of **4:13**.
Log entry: **6:02**
